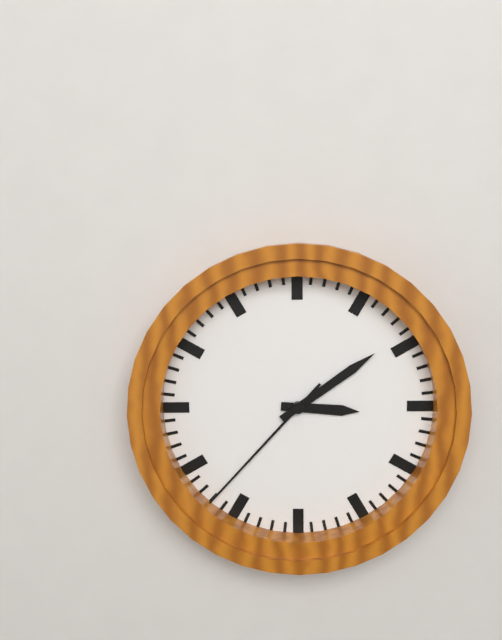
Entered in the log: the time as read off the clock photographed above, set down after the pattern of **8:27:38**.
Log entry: **3:09:37**
